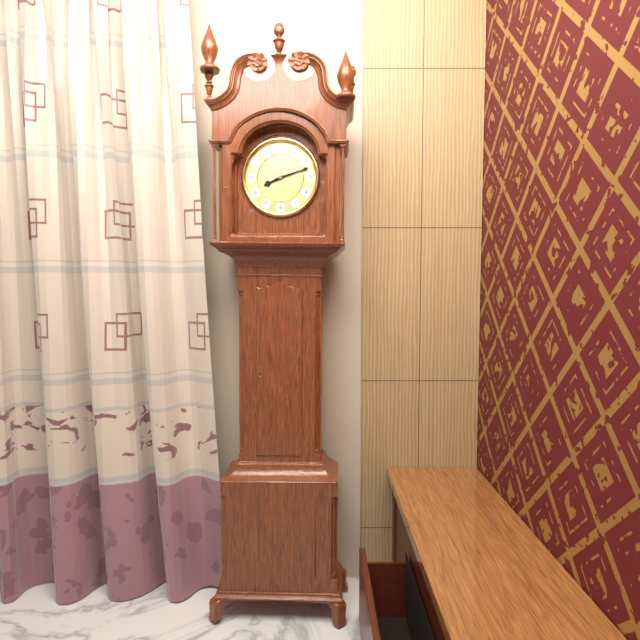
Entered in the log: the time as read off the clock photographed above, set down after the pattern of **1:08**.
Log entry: **8:12**
